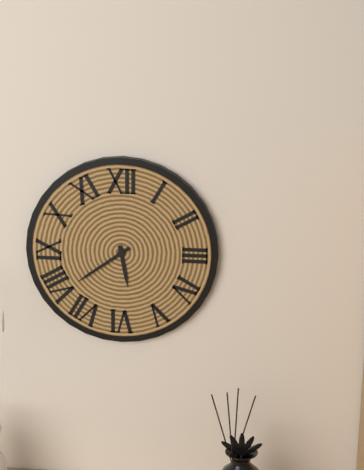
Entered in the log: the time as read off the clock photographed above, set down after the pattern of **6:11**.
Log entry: **5:39**
